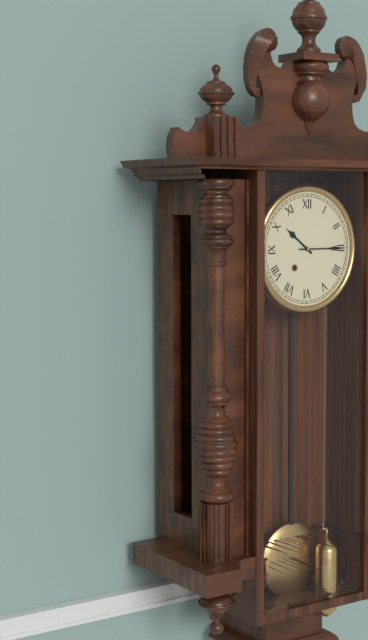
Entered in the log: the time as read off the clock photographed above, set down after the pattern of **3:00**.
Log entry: **10:15**
